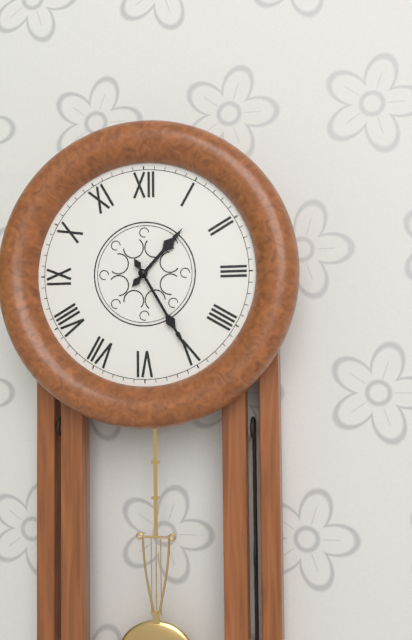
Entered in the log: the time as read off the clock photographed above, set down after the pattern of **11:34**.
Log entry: **1:25**
